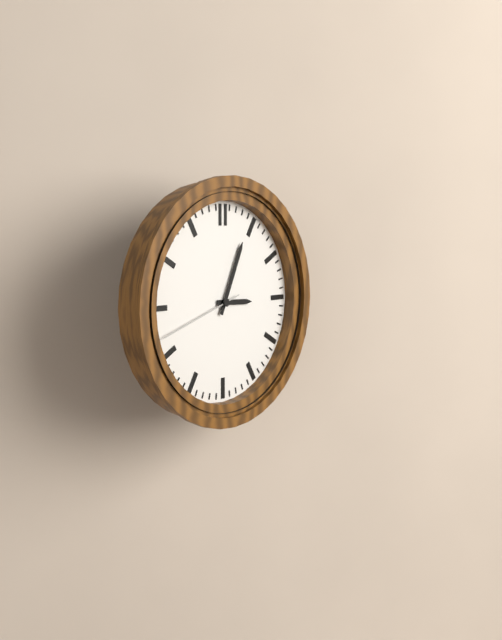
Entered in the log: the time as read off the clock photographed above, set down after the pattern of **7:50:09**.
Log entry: **3:04:42**
